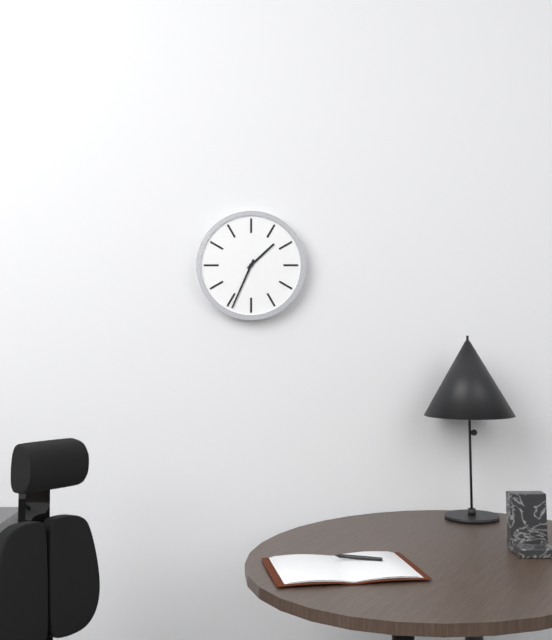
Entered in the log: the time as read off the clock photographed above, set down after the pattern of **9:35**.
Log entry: **1:34**
